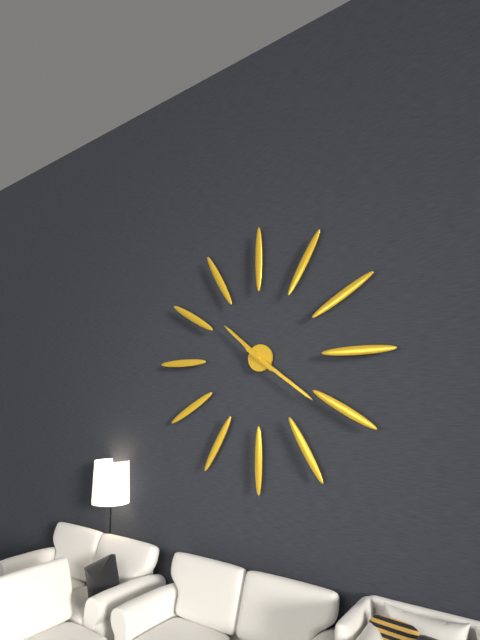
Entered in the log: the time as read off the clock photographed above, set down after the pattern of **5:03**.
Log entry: **10:21**
